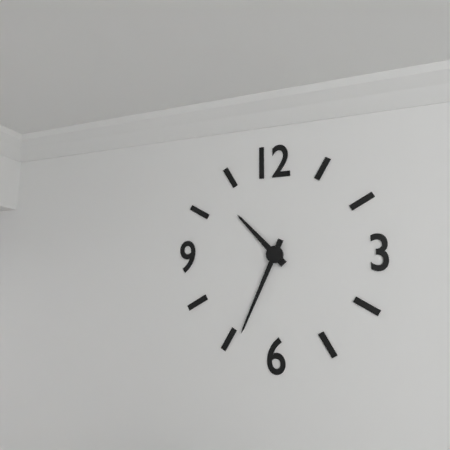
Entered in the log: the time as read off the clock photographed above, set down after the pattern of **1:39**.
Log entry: **10:34**
